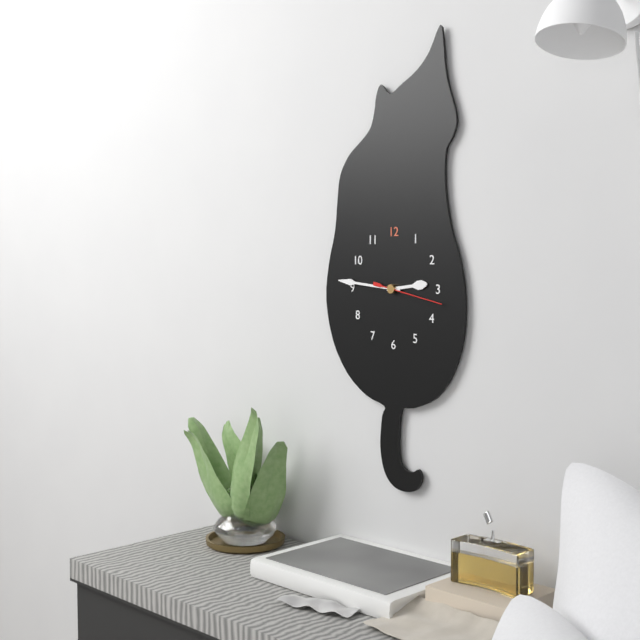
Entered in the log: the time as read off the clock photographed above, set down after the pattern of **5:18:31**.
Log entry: **2:46:17**
